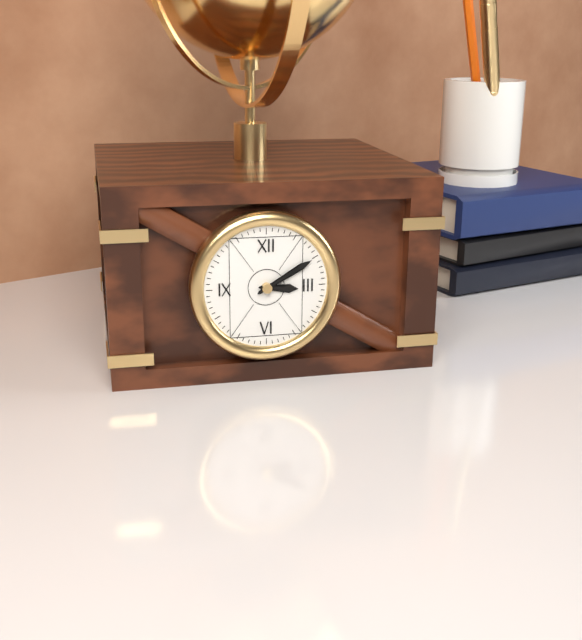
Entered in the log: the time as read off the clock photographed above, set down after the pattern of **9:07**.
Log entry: **3:10**
